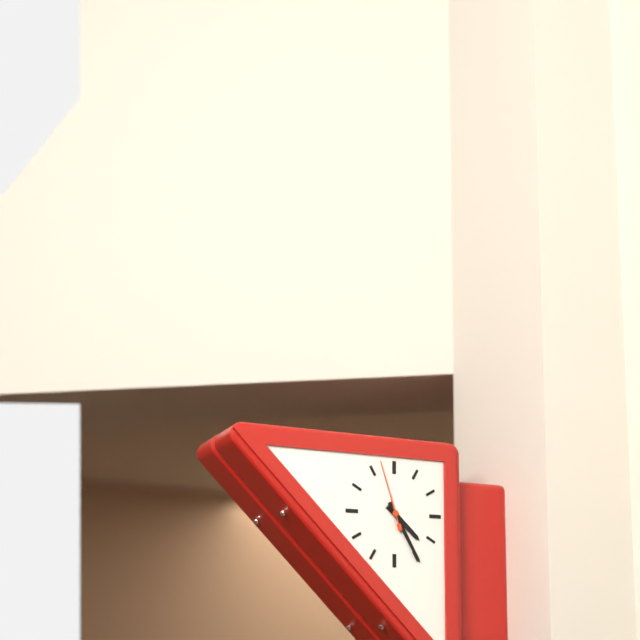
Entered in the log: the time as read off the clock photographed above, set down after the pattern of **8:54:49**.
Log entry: **4:25:57**
